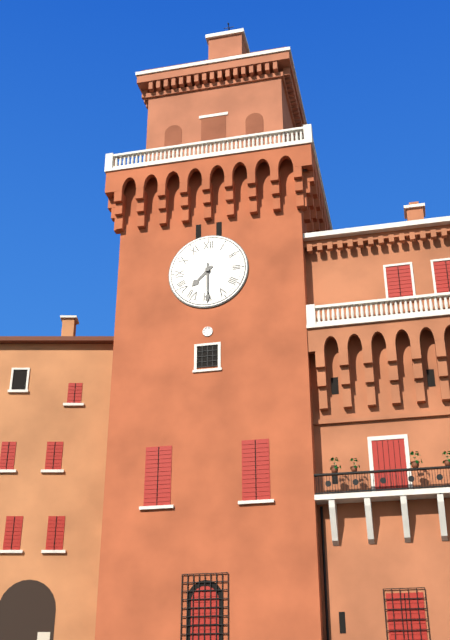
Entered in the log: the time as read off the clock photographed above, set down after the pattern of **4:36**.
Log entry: **7:30**
